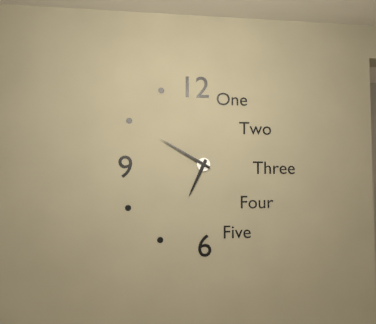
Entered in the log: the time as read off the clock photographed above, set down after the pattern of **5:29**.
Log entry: **6:50**
